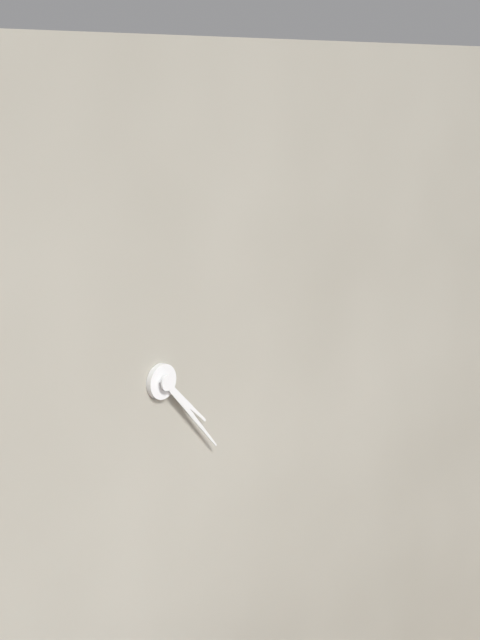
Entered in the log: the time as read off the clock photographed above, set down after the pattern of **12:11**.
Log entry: **4:23**
